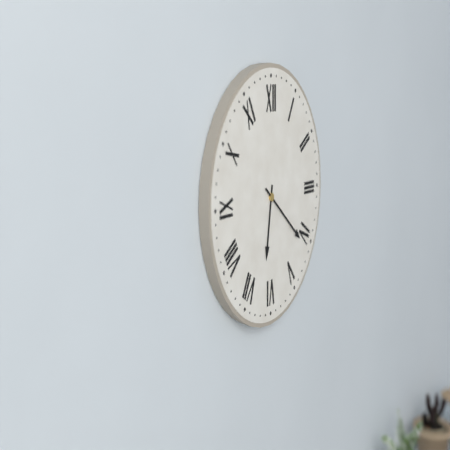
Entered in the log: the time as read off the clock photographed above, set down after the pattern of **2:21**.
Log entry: **6:21**
